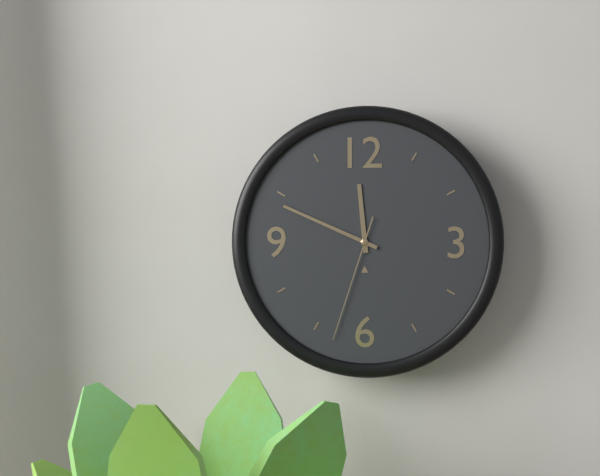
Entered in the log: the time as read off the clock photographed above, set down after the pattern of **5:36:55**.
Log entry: **11:49:33**
